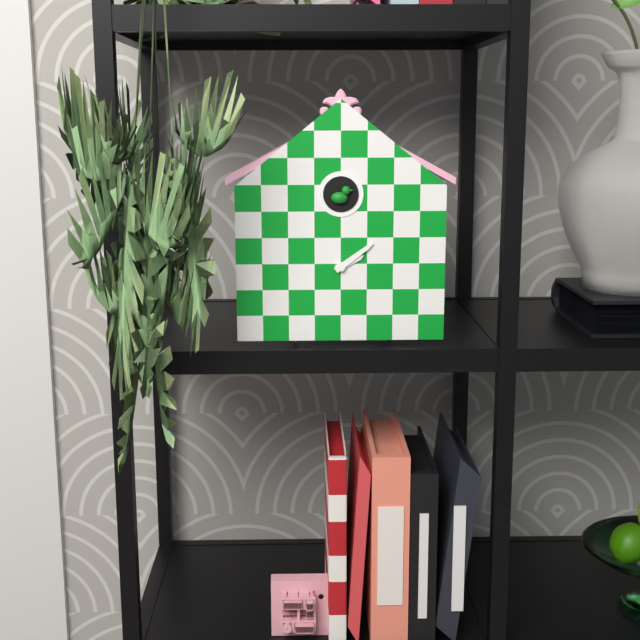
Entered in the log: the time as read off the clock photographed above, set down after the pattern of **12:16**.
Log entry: **2:09**
